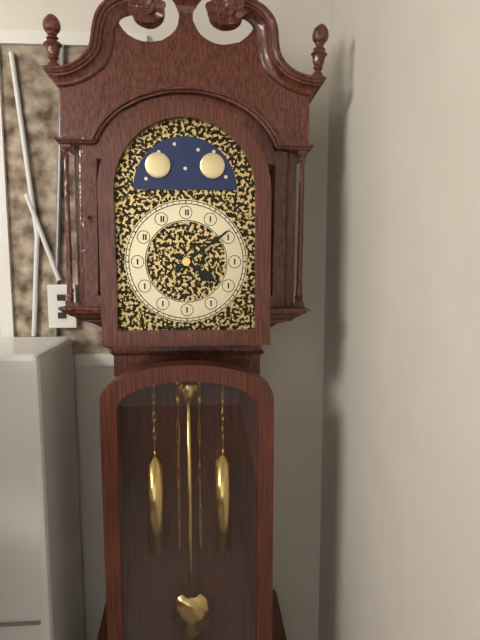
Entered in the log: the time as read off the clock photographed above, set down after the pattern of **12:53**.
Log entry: **4:09**
